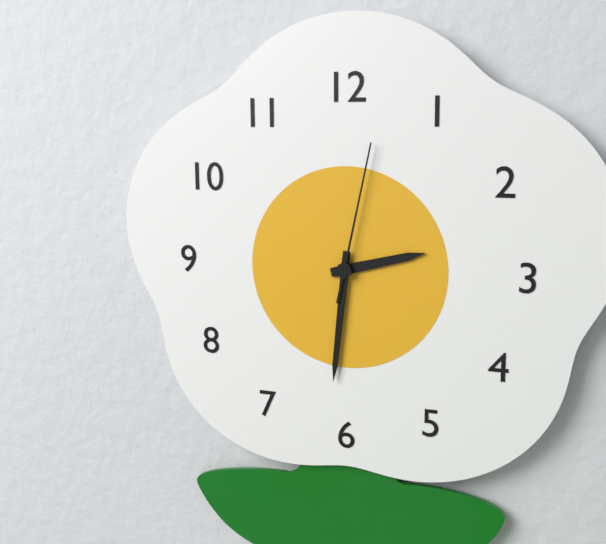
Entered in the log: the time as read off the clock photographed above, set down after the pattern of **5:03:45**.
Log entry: **2:31:02**
